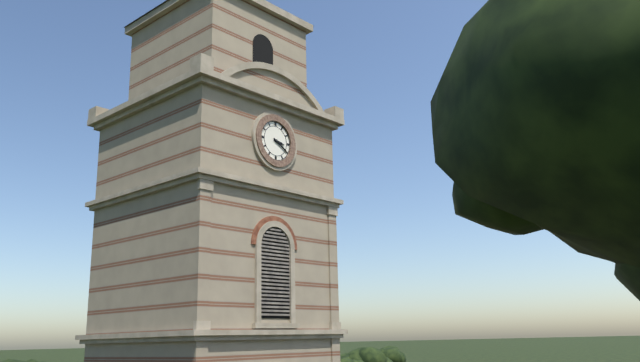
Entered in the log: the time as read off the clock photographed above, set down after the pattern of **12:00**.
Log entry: **3:20**
